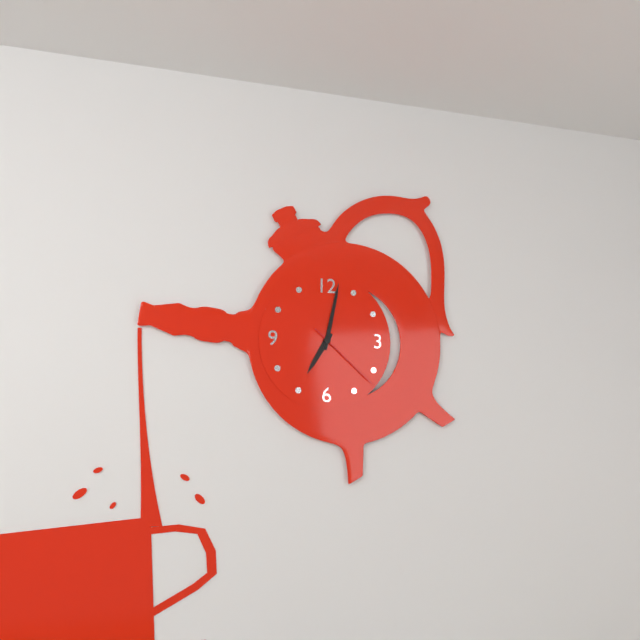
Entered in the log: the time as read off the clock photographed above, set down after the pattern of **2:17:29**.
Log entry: **7:02:22**
